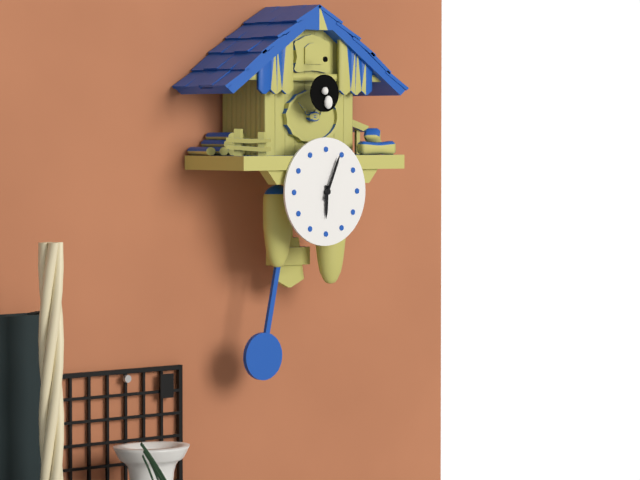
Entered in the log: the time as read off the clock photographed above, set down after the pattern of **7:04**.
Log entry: **6:04**
